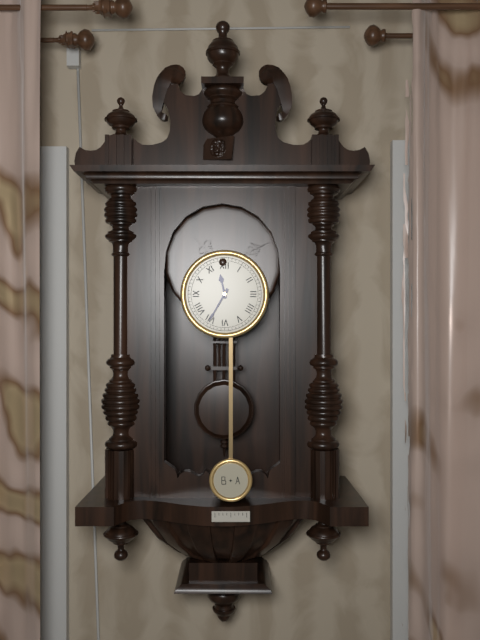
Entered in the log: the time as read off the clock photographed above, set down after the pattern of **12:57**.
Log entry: **11:35**
